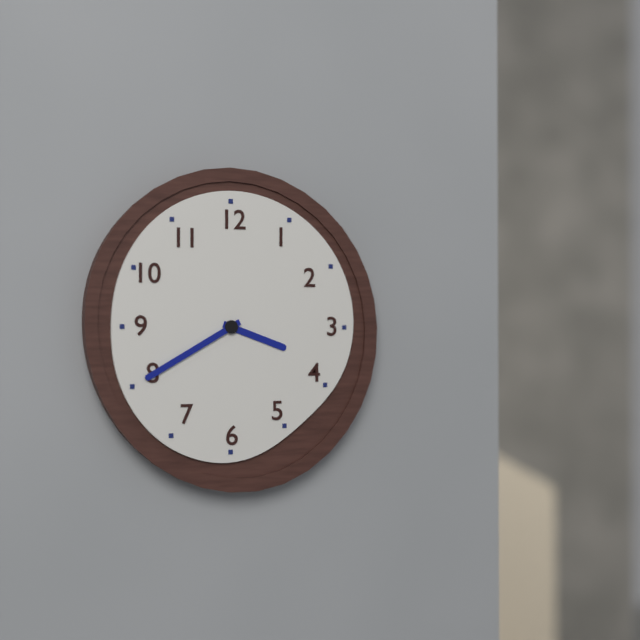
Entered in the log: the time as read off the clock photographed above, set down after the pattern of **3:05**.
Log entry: **3:40**
